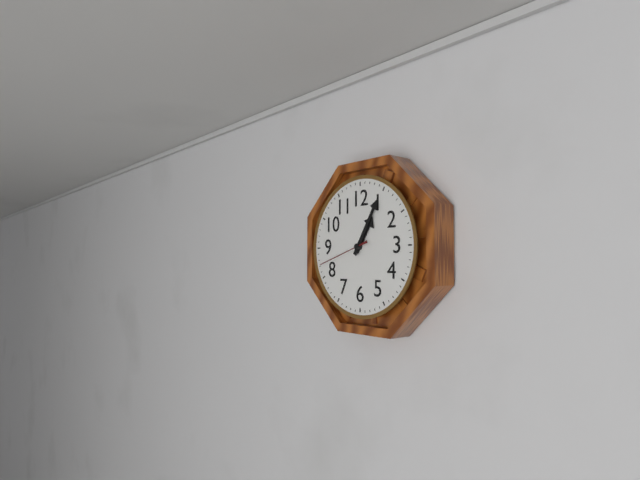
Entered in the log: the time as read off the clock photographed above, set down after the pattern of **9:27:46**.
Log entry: **1:05:42**
